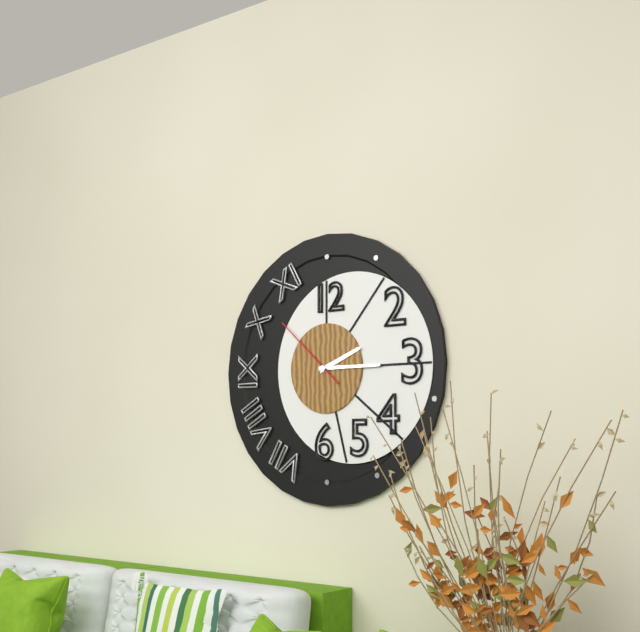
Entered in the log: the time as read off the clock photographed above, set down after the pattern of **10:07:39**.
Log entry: **2:15:52**
